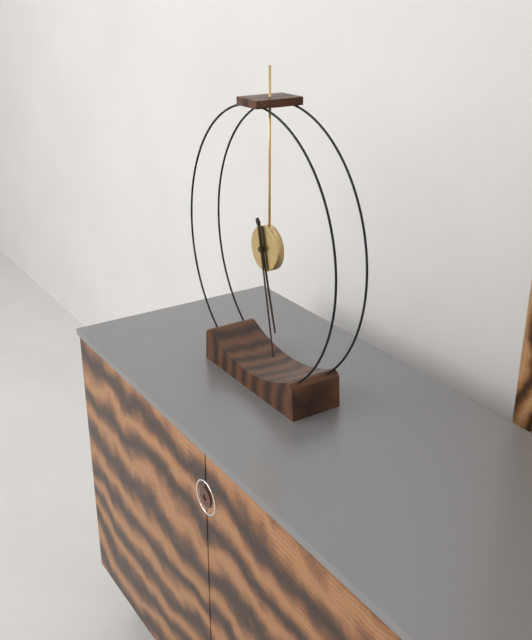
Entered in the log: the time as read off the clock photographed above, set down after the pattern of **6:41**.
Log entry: **5:28**
